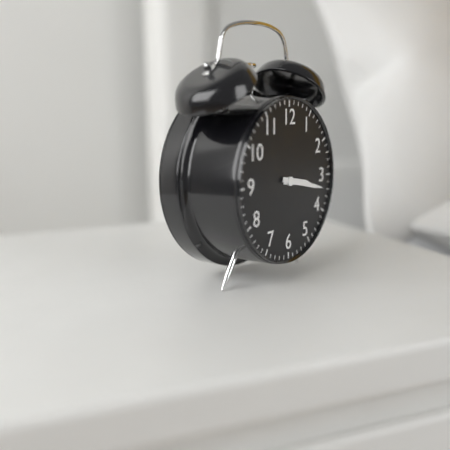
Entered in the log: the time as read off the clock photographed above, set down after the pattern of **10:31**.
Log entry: **3:17**
